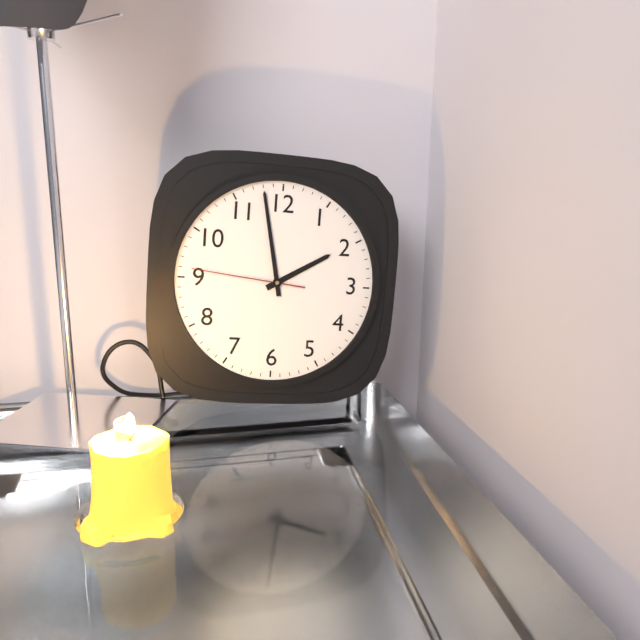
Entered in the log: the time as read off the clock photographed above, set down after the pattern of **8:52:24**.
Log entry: **1:58:46**
